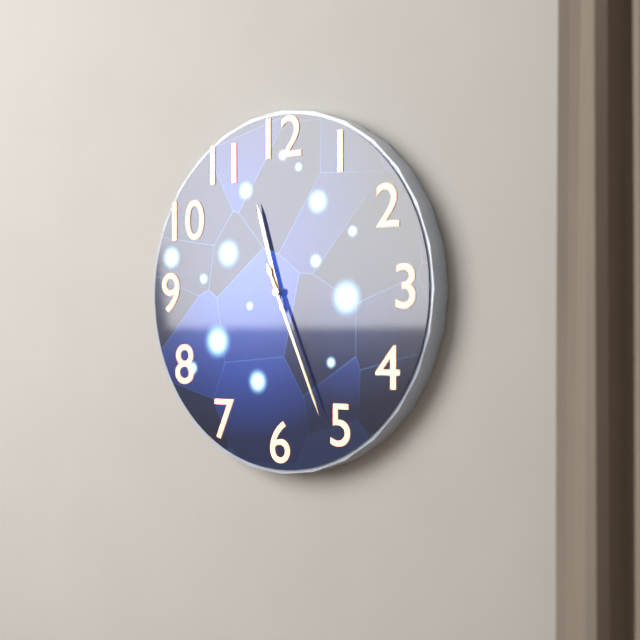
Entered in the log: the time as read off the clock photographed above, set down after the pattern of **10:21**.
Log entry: **11:26**
